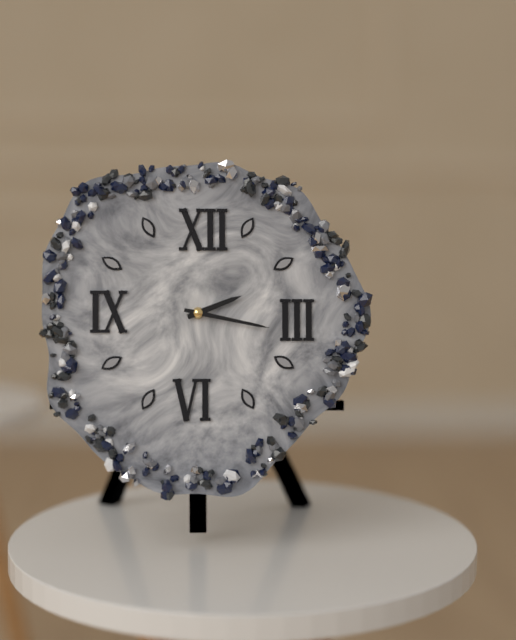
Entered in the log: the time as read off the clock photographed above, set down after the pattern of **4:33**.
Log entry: **2:17**
